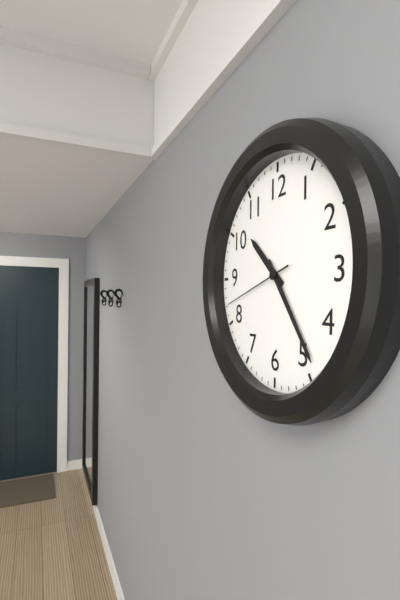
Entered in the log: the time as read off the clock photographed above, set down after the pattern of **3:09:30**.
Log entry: **10:24:42**
